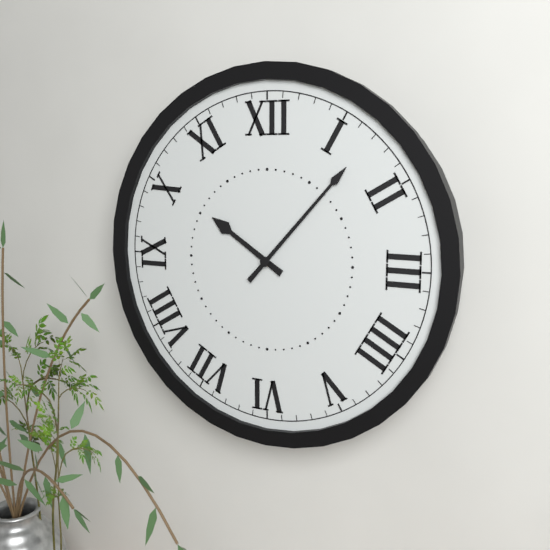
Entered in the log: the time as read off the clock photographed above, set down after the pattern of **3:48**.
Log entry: **10:07**
